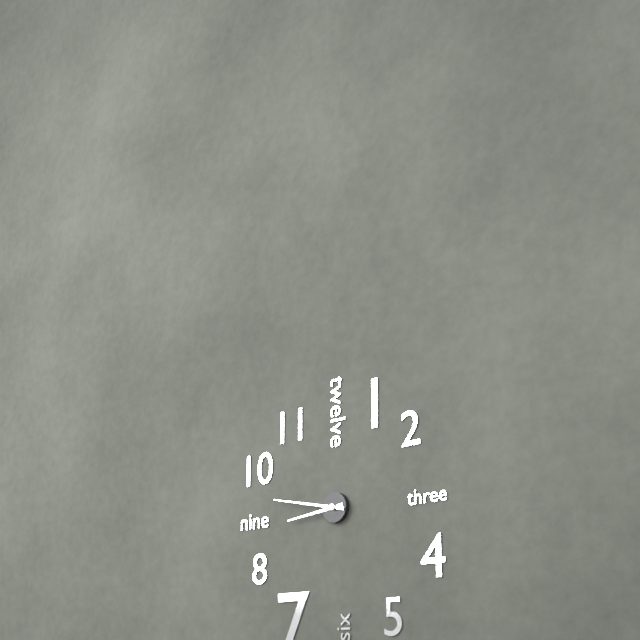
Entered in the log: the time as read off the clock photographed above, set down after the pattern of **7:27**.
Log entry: **8:47**
